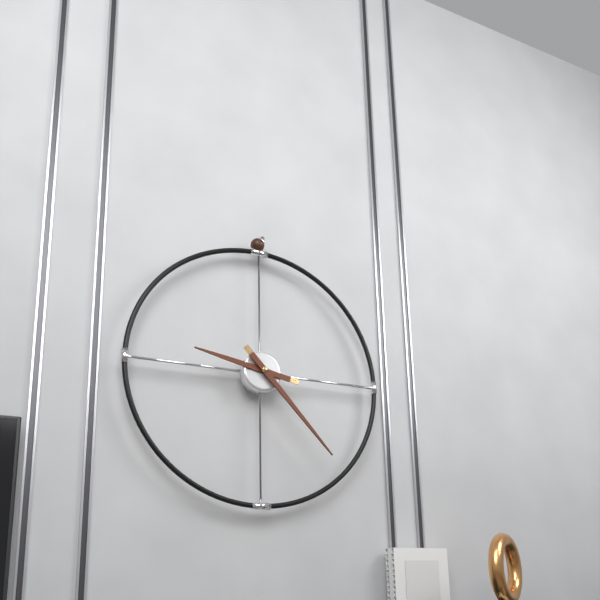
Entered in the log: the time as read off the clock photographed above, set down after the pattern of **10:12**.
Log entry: **9:23**
